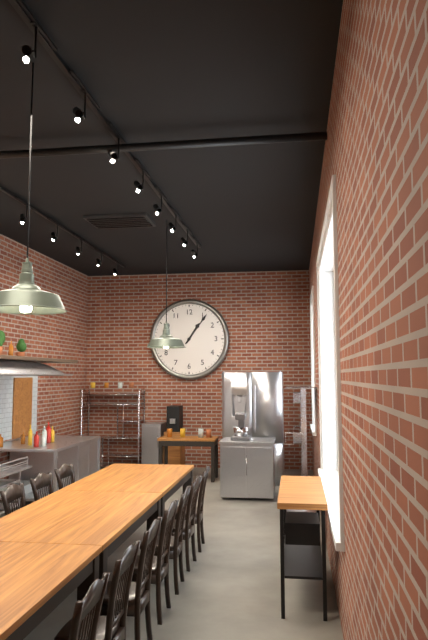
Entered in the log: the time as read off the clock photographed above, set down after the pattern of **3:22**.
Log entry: **1:06**
